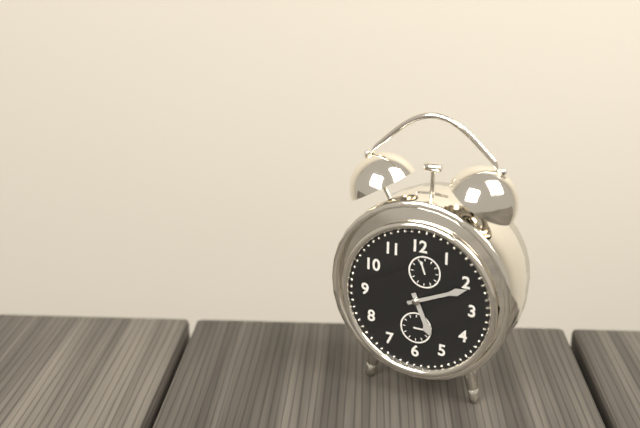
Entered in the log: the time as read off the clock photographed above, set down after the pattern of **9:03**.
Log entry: **5:11**
